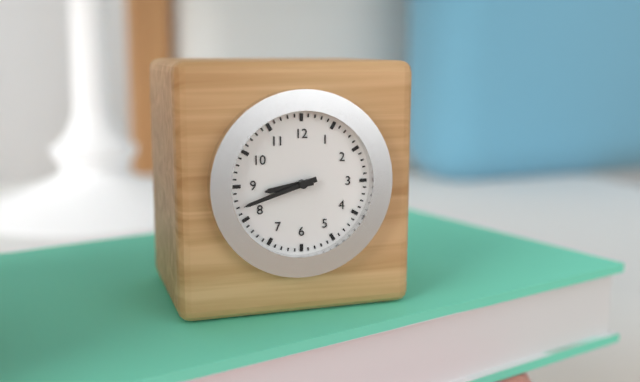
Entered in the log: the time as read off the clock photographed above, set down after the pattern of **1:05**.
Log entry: **8:42**
